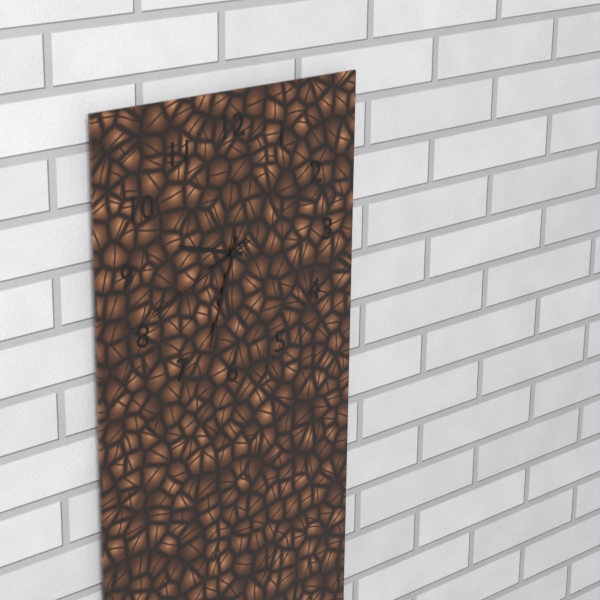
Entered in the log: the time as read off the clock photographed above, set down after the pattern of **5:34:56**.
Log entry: **9:33:41**
